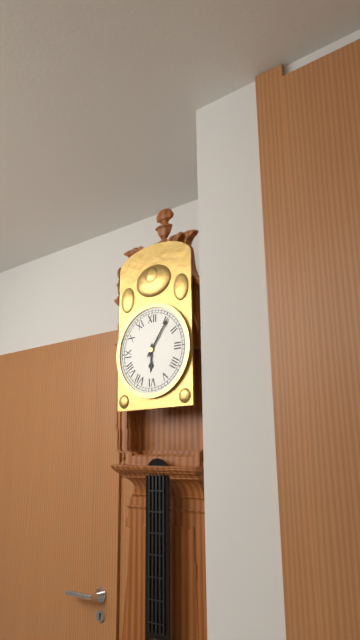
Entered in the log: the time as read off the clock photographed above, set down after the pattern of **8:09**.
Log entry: **6:06**
